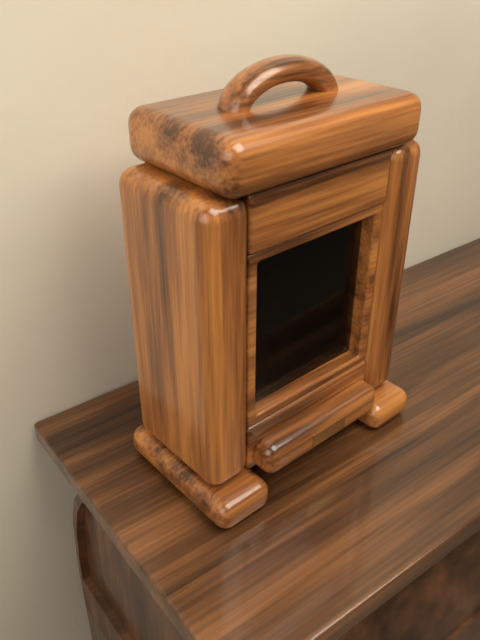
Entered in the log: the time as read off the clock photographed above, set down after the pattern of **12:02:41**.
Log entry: **2:51:16**
